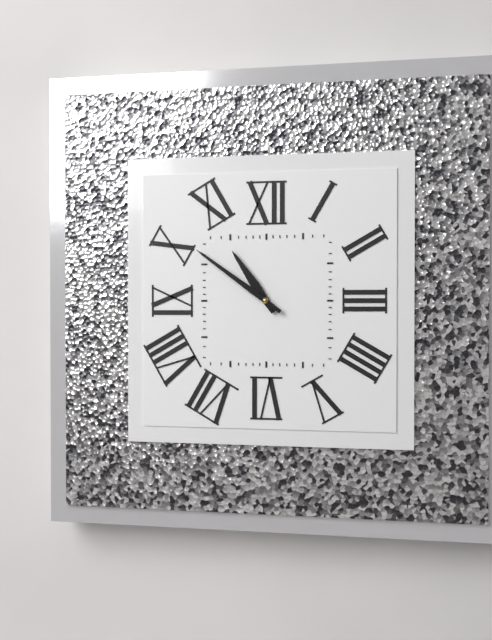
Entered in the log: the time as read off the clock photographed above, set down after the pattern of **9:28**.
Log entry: **10:51**
